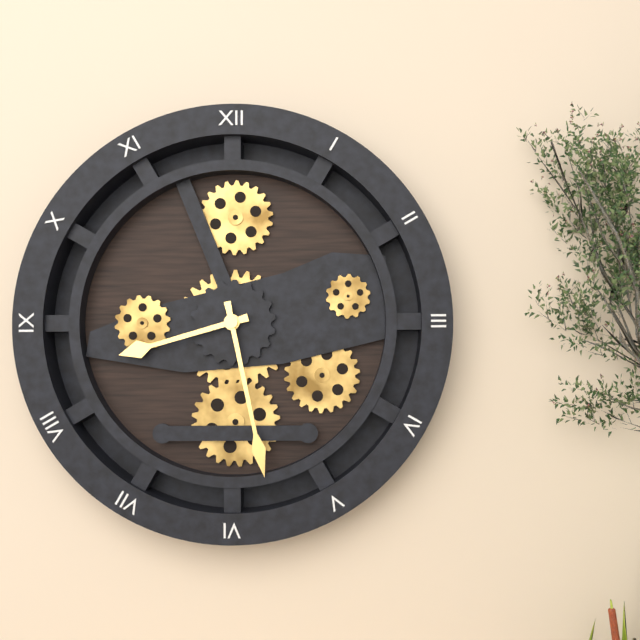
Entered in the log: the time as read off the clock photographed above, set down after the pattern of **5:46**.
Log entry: **8:28**
